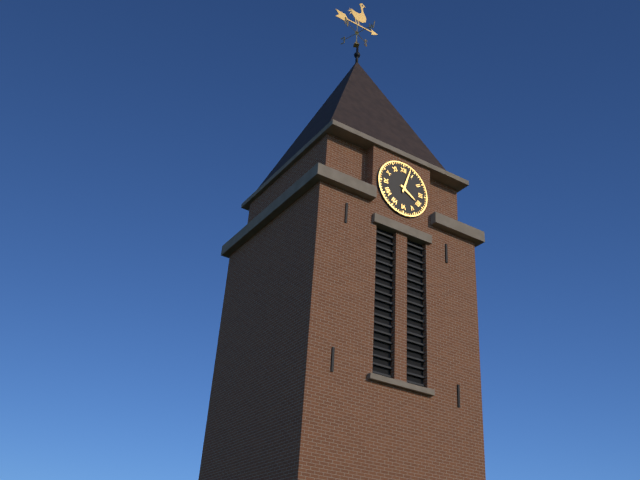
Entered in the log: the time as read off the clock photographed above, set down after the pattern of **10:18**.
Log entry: **4:03**
